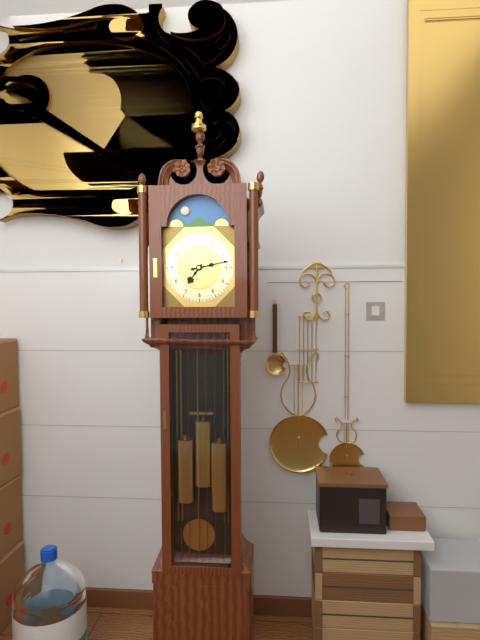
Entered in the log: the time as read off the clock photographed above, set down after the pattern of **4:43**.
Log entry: **7:13**
